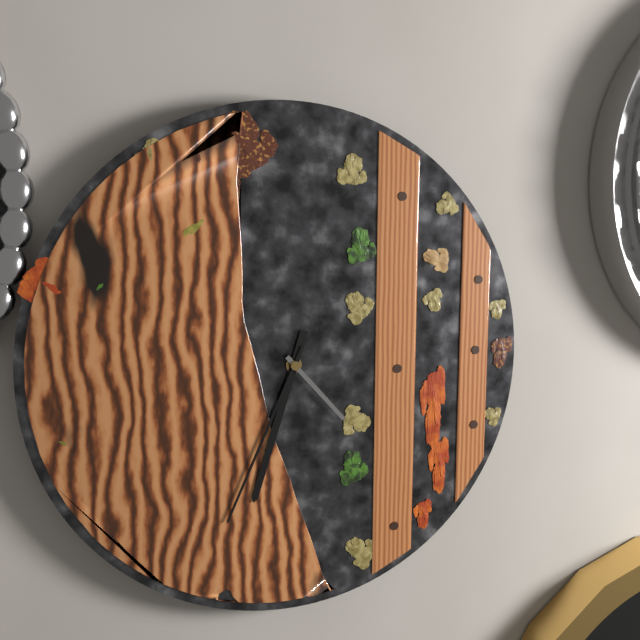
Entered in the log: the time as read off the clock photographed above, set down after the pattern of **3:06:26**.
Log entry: **6:34:23**
